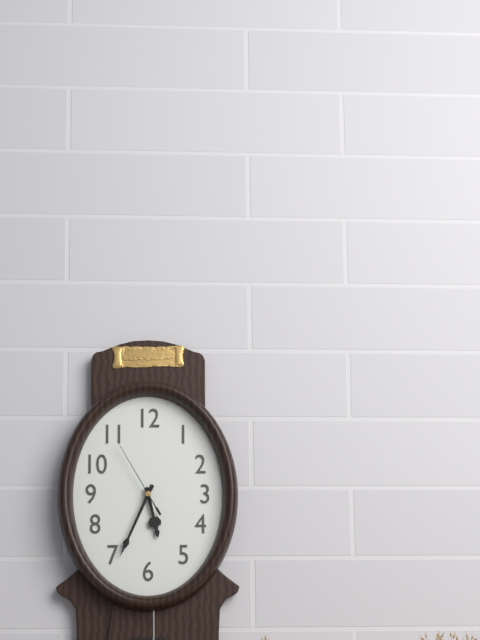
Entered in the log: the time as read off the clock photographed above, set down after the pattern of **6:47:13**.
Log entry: **5:34:55**
